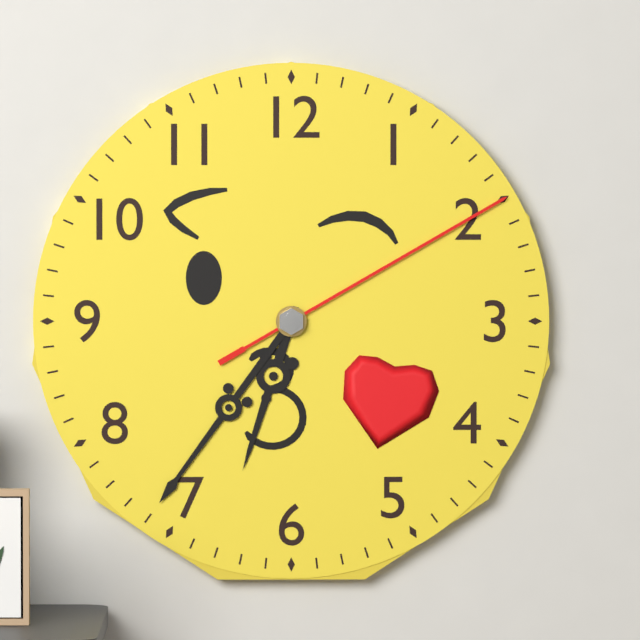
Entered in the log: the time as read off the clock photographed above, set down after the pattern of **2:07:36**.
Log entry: **6:36:10**
